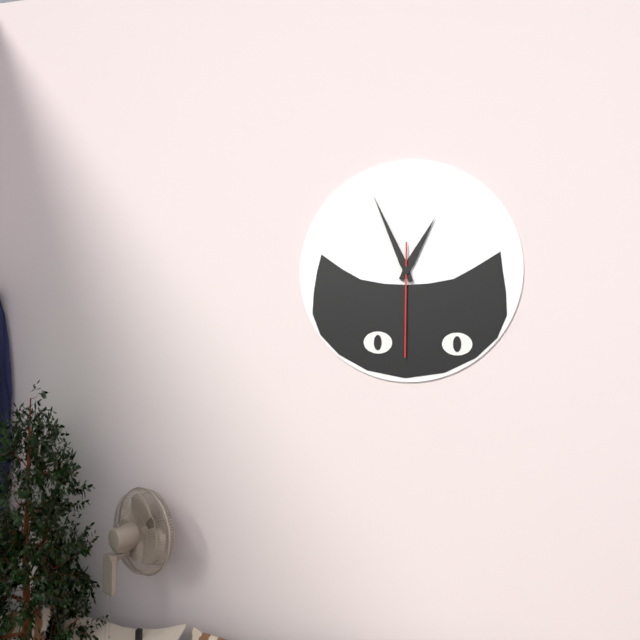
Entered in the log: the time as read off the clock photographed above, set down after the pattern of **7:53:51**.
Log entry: **12:56:30**
